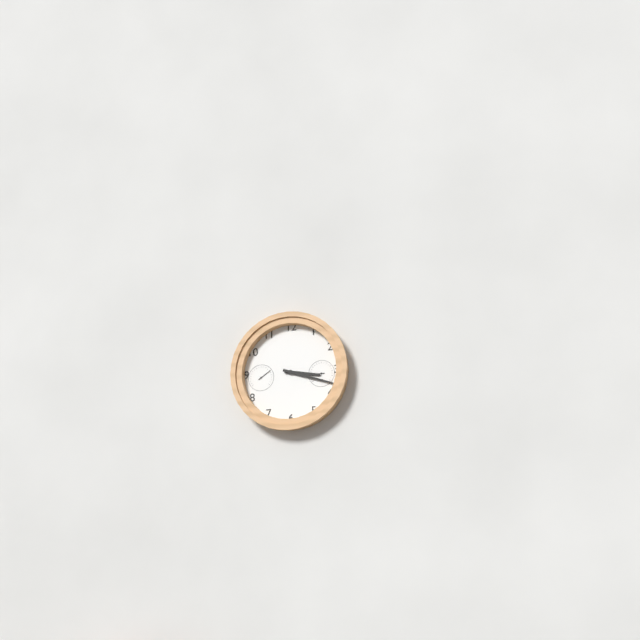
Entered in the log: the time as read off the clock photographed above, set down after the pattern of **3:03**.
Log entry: **3:18**
